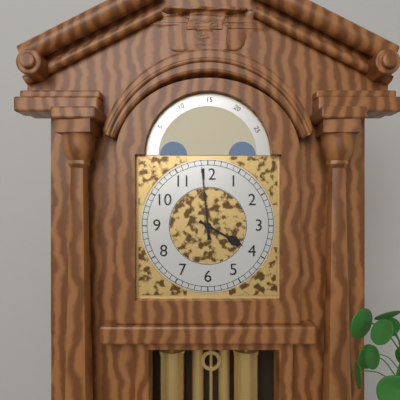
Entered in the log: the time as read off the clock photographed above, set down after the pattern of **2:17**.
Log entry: **3:59**
